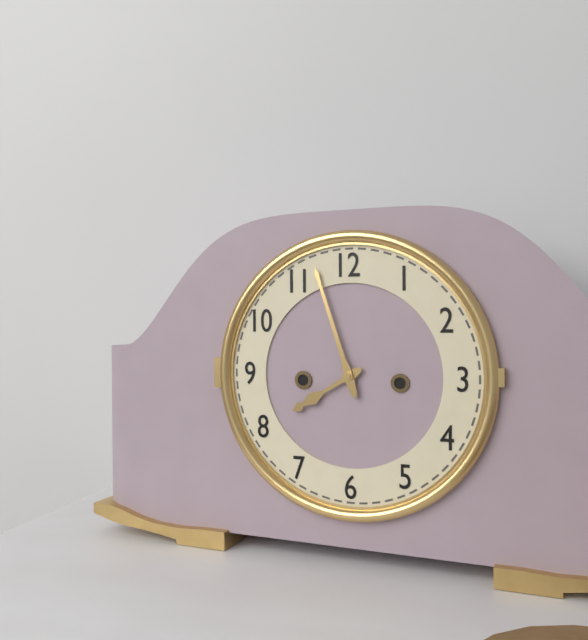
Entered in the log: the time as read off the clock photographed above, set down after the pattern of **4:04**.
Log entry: **7:57**
